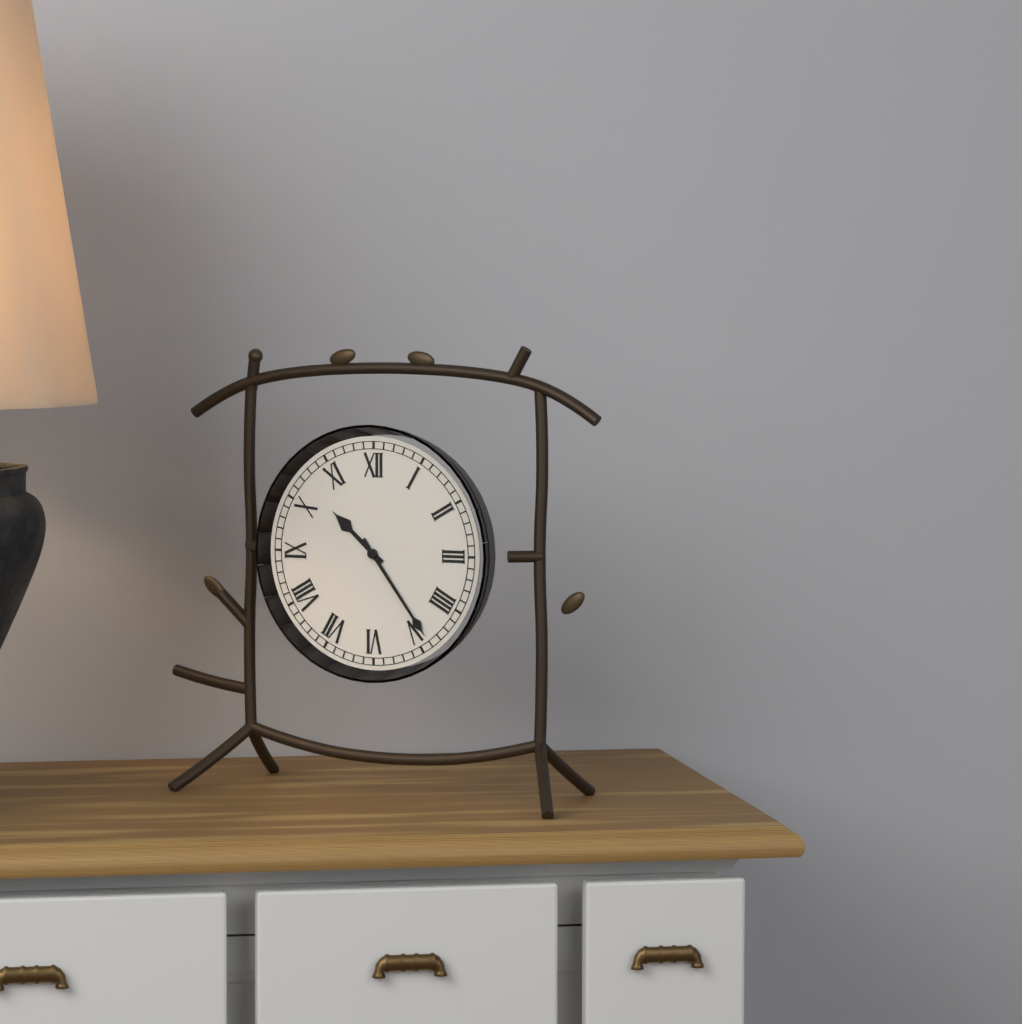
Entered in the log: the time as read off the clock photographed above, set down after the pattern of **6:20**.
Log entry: **10:24**
